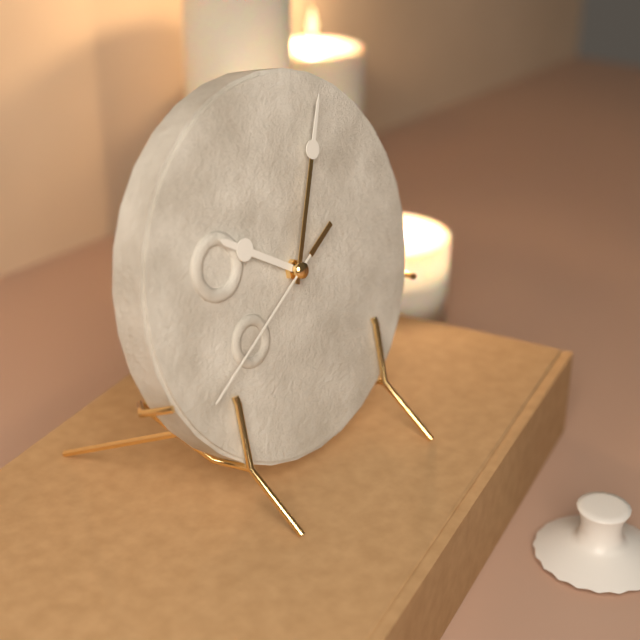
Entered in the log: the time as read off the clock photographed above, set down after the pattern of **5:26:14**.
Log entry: **10:04:40**
